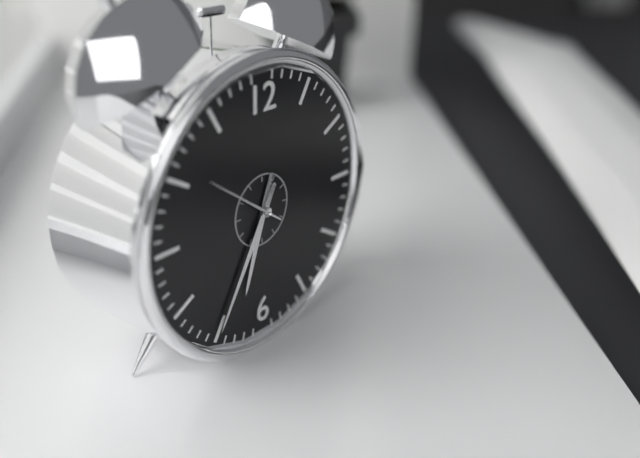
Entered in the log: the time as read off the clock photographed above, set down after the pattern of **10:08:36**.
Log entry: **6:35:51**
